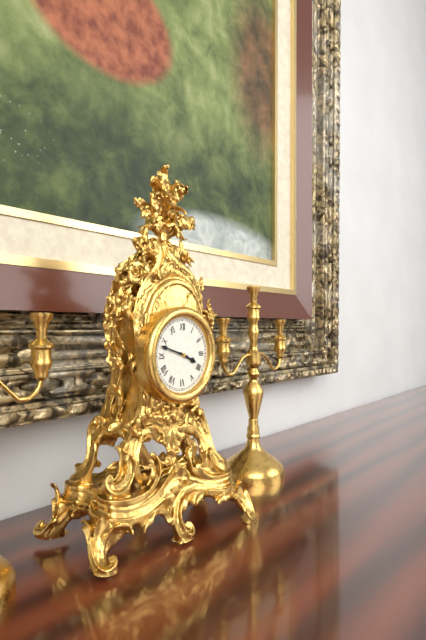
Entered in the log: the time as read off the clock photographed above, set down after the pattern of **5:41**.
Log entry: **3:48**
